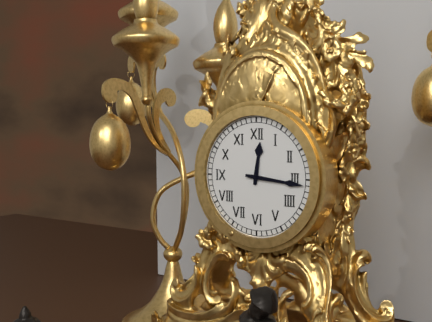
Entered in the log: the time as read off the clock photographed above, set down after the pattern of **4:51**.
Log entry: **12:16**
